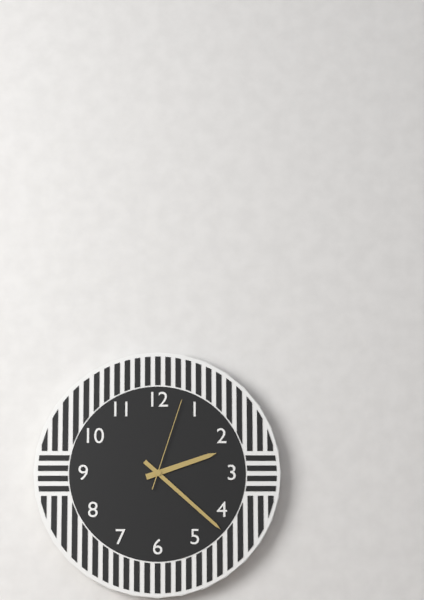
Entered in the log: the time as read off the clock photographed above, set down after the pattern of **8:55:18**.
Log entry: **2:22:03**
